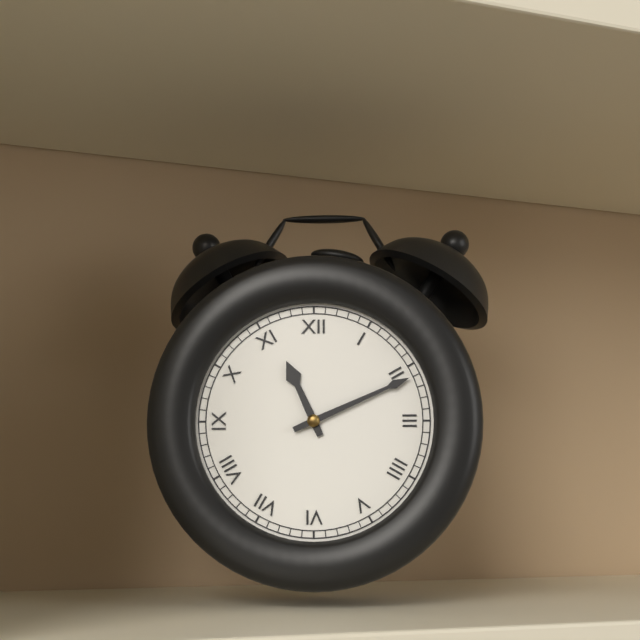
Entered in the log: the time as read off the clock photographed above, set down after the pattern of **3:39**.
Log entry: **11:11**
